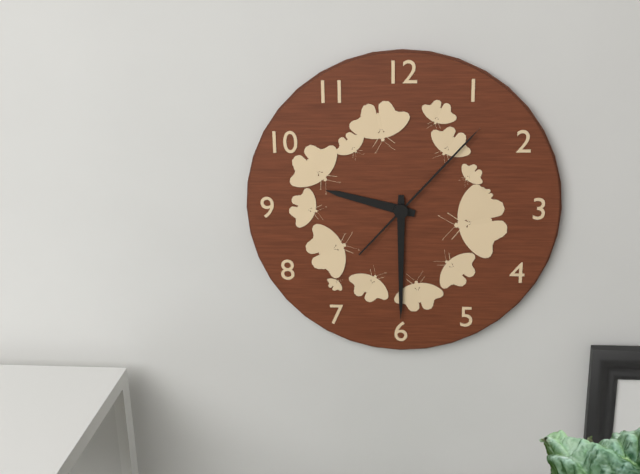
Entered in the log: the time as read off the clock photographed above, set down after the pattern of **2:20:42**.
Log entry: **9:30:07**
